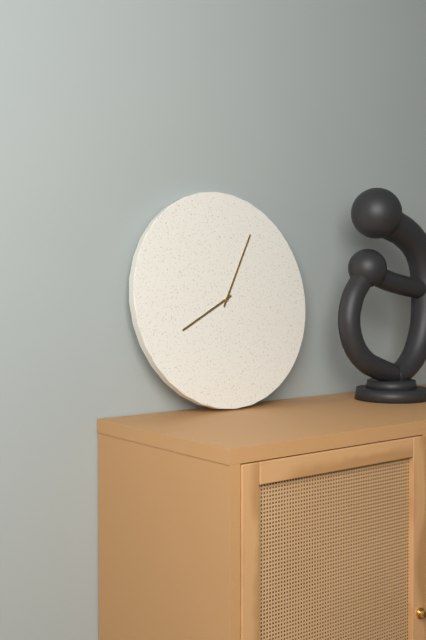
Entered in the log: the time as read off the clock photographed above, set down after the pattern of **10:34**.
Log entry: **8:05**
